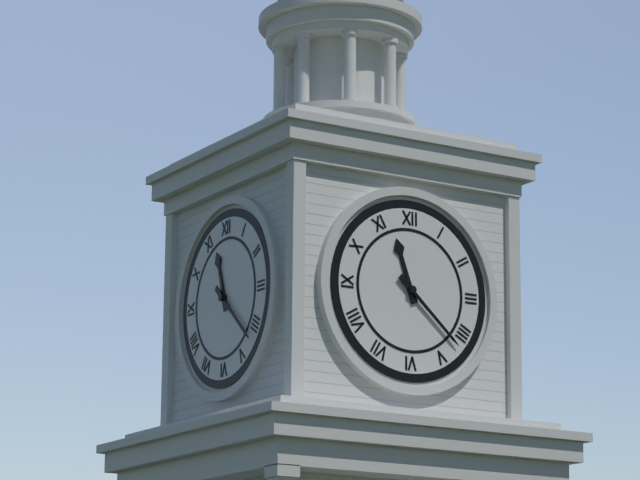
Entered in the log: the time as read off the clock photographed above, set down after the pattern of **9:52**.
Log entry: **11:22**
